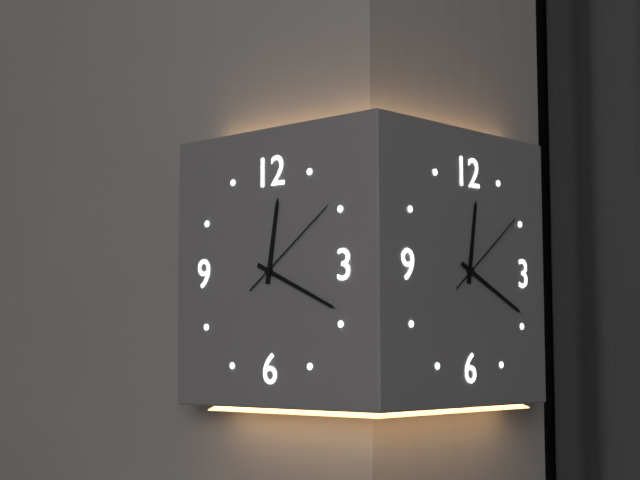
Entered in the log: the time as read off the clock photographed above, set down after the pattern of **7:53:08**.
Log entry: **12:19:09**
